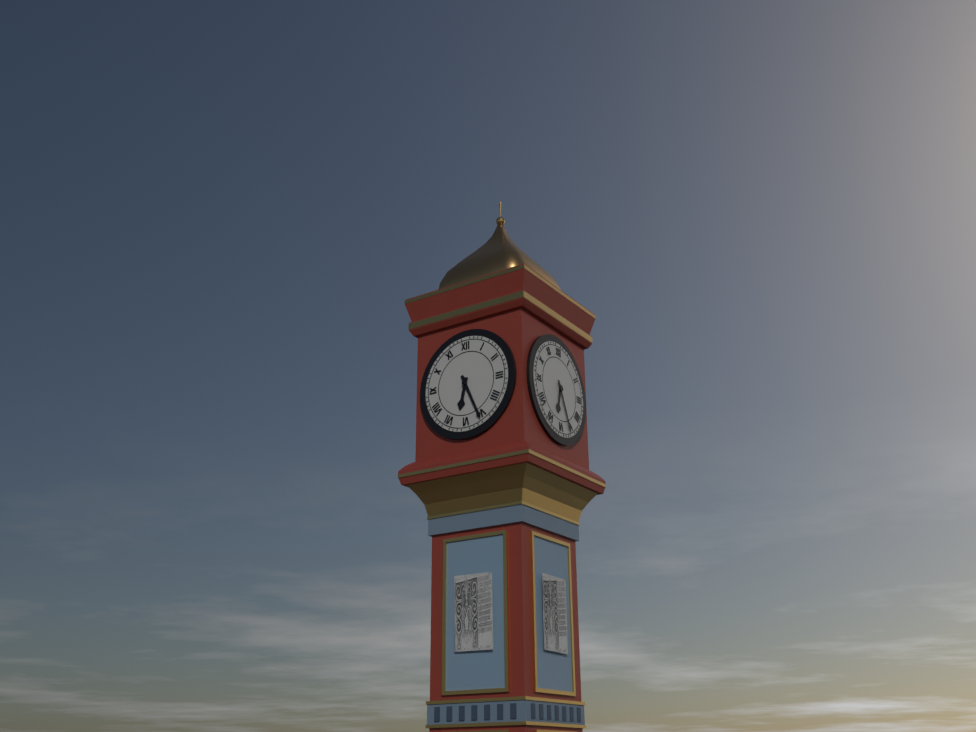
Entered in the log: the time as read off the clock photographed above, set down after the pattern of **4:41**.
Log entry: **6:26**
